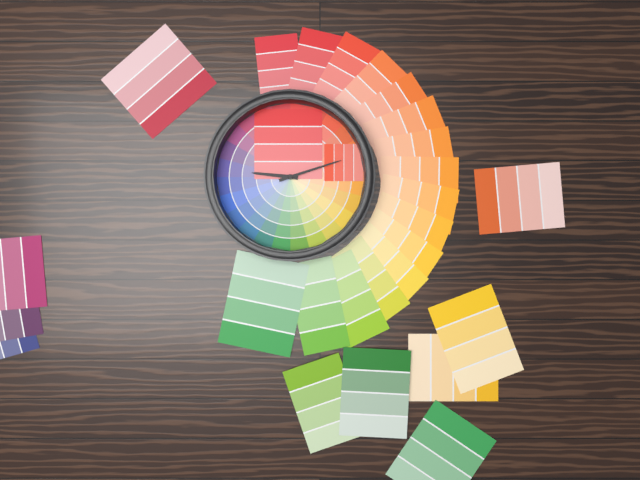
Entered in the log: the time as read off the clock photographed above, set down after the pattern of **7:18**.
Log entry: **9:12**
